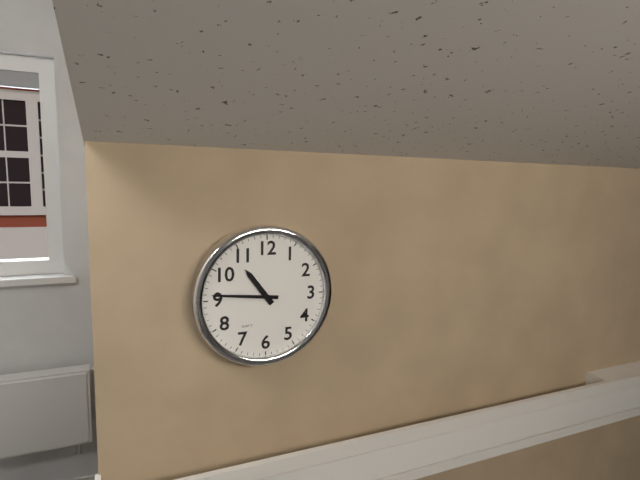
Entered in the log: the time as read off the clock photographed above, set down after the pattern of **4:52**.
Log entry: **10:46**
